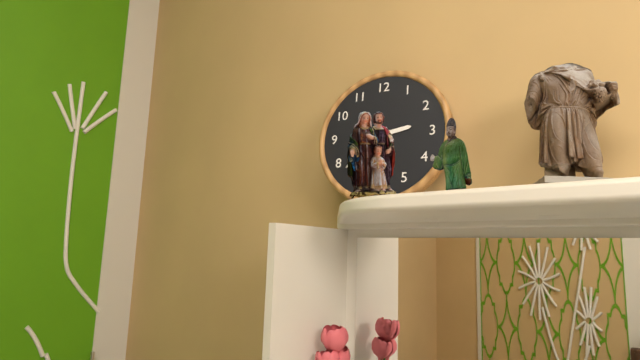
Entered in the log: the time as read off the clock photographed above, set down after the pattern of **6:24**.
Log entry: **2:38**
